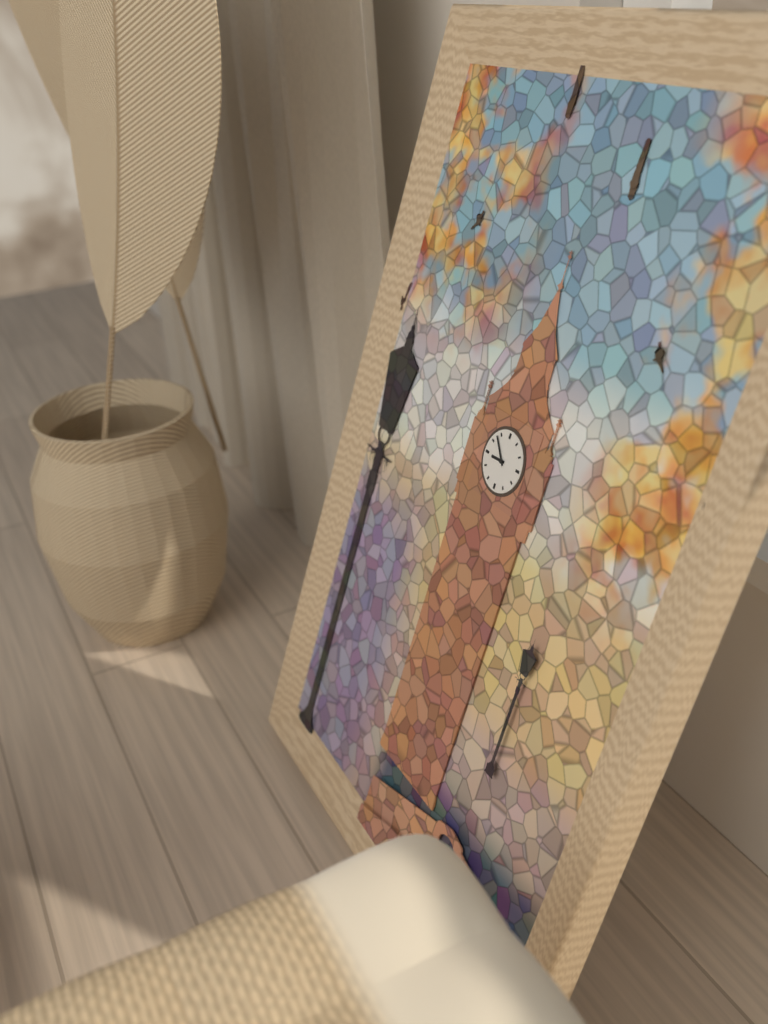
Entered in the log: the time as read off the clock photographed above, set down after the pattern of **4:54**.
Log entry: **8:53**
